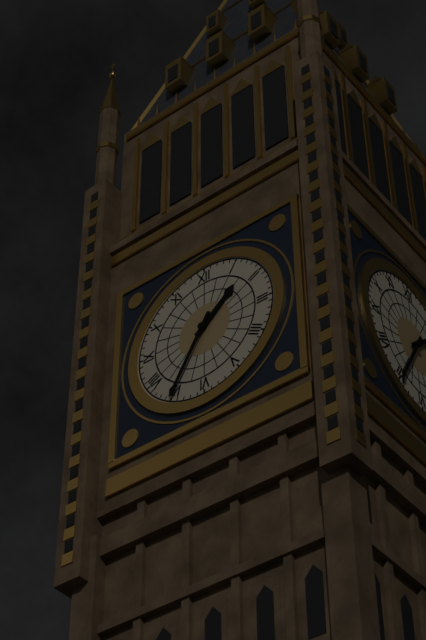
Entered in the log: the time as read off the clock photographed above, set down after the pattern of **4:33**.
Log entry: **1:35**
